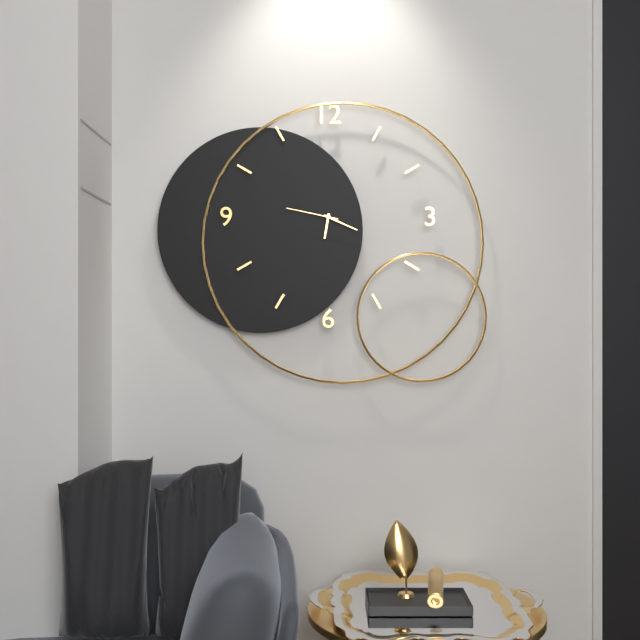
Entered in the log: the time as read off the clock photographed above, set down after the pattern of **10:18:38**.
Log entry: **6:19:47**
